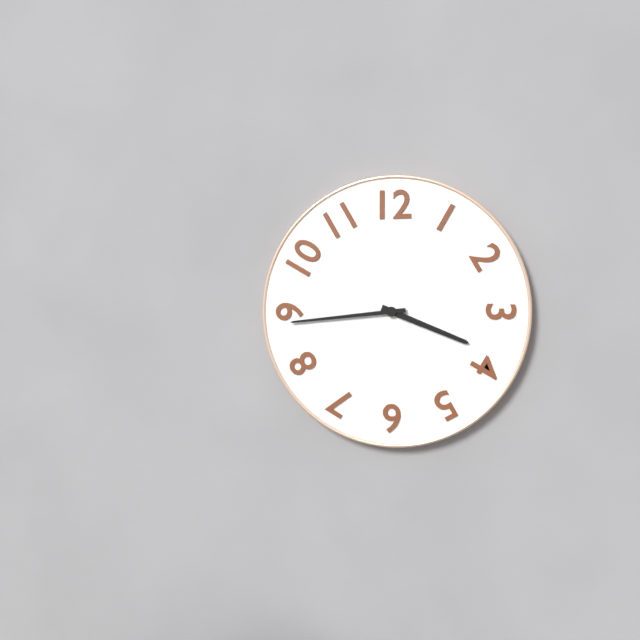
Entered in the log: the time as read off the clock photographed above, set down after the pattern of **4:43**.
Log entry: **3:44**
